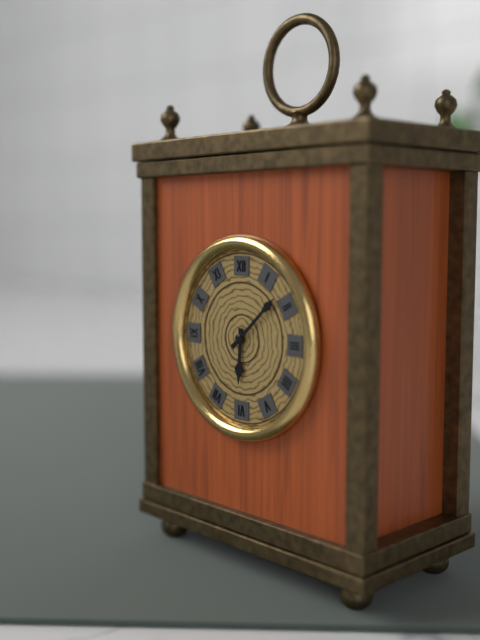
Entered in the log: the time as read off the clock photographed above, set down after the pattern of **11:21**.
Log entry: **6:08**
